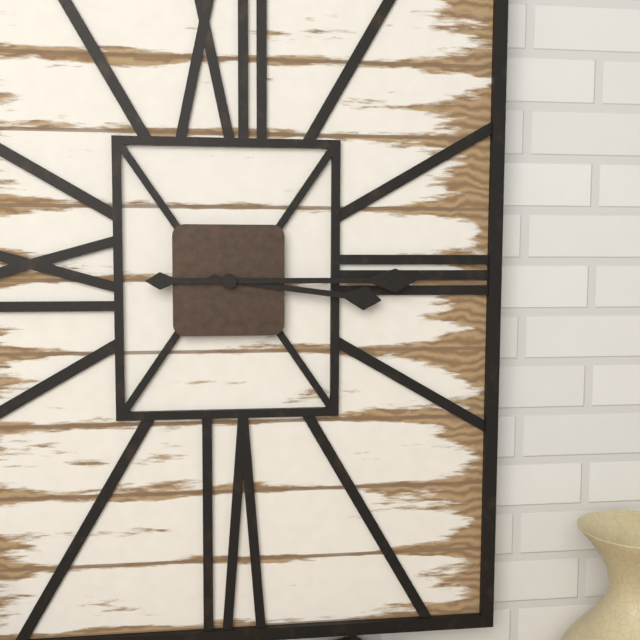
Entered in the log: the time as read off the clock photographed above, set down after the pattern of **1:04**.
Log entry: **3:15**
